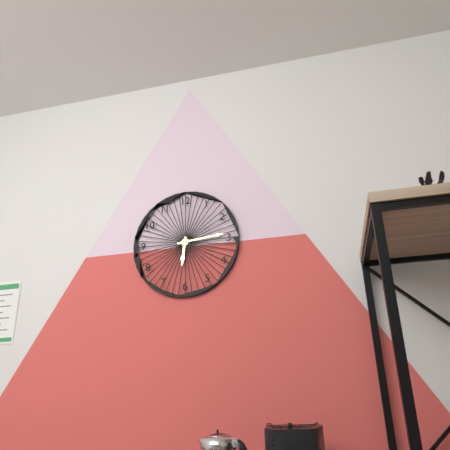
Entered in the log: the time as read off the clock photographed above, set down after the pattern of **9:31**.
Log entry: **6:14**
